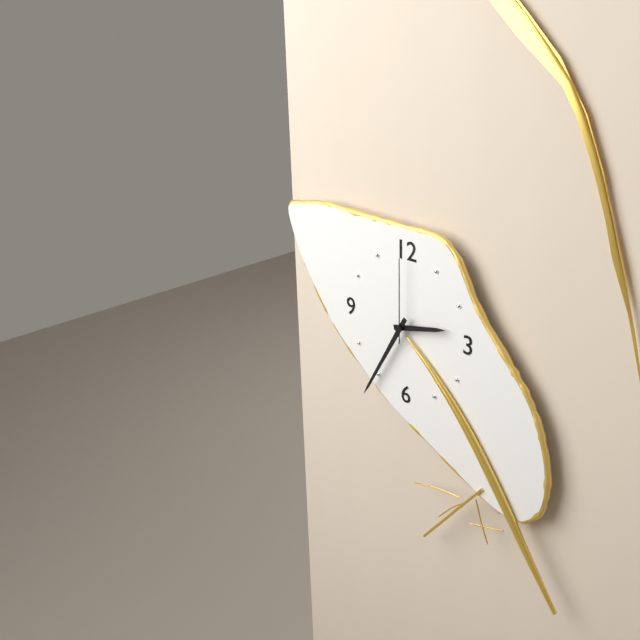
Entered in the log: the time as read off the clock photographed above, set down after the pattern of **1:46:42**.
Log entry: **2:35:00**
